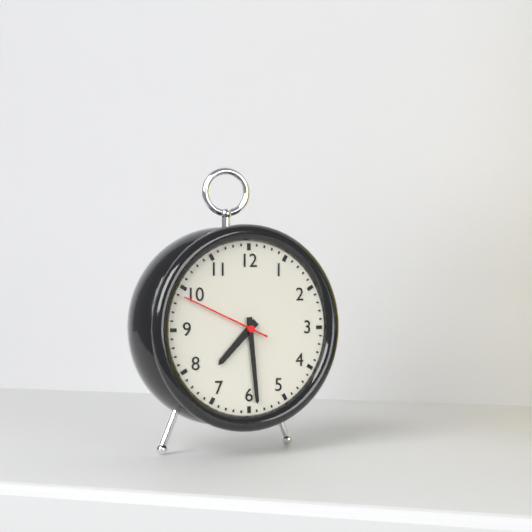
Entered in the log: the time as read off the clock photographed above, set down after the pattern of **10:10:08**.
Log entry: **7:29:49**
